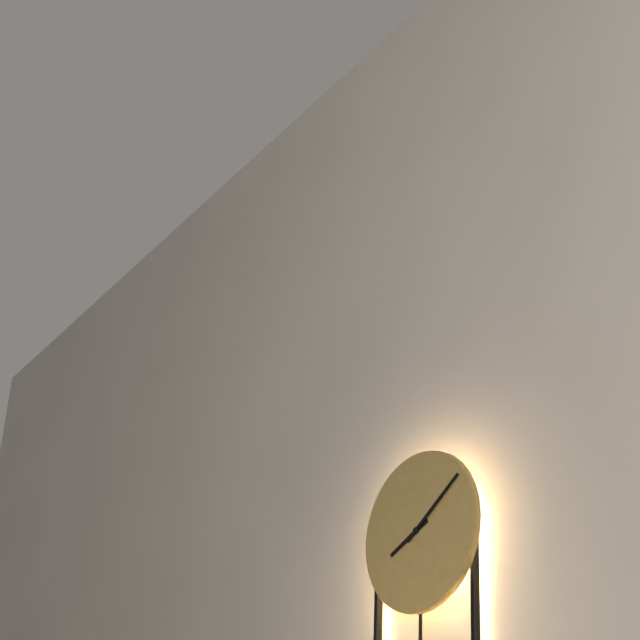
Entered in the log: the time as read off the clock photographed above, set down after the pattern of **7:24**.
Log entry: **8:09**
